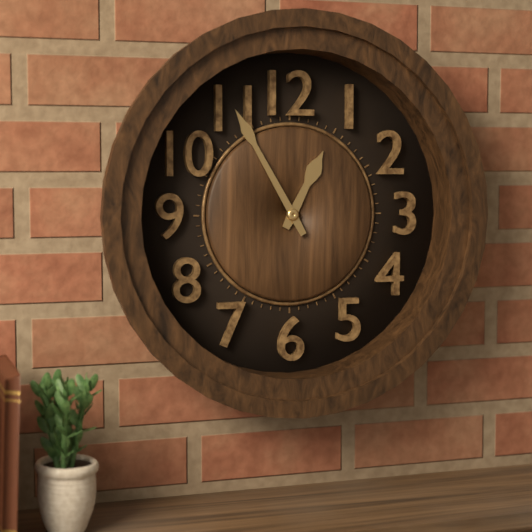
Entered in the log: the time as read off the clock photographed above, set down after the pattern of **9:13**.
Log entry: **12:55**
